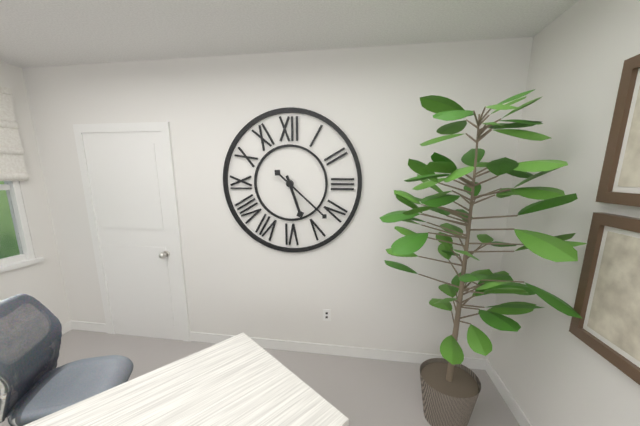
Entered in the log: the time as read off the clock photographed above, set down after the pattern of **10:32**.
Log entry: **5:22**
